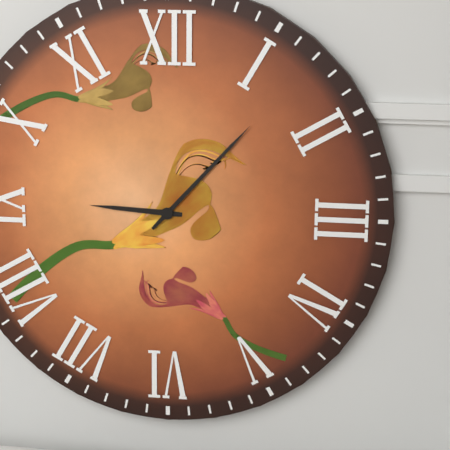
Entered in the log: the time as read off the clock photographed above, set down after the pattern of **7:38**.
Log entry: **9:07**
